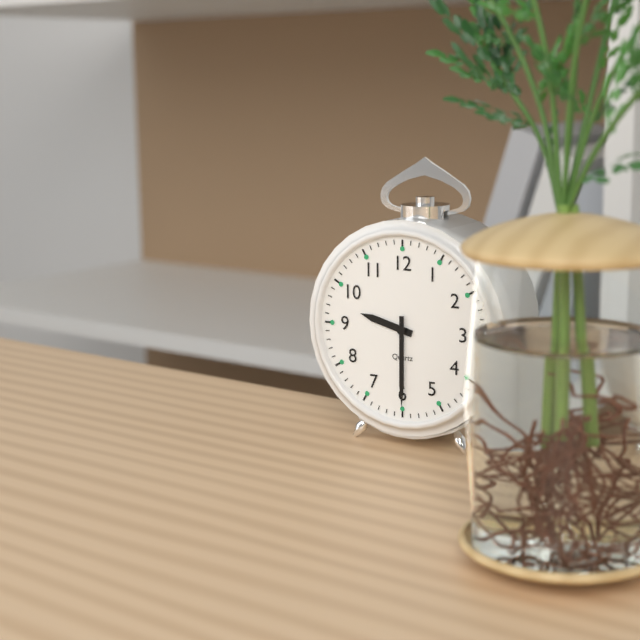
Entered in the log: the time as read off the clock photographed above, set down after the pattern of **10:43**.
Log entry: **9:30**
